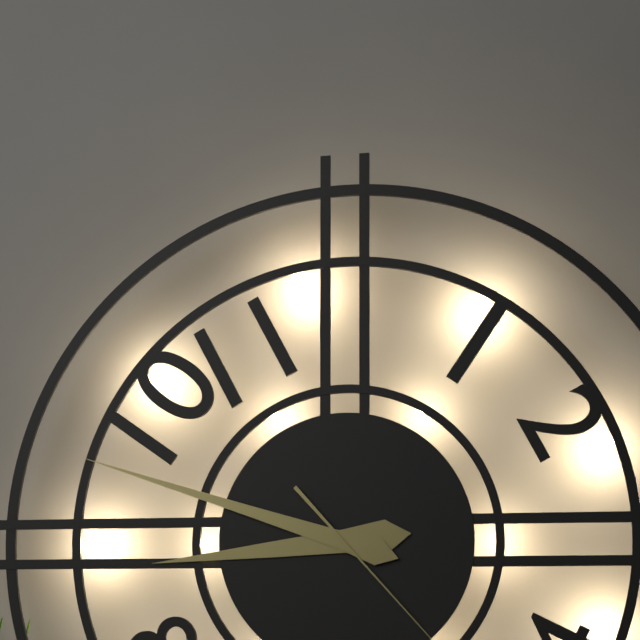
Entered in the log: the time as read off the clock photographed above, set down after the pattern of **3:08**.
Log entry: **8:48**
